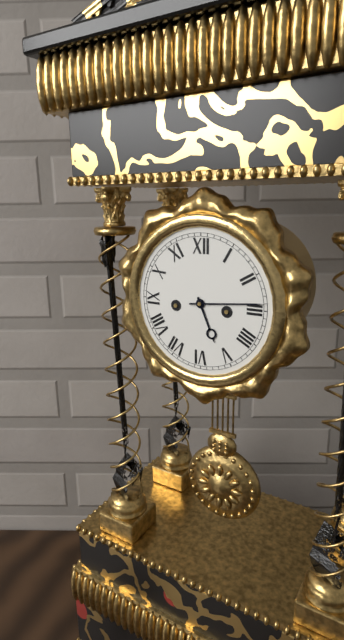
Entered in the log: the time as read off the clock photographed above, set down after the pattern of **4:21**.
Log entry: **5:14**
